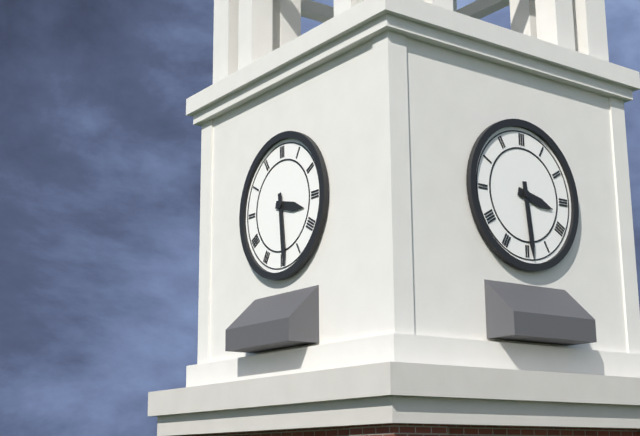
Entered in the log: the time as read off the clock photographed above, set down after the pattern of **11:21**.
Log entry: **3:29**
